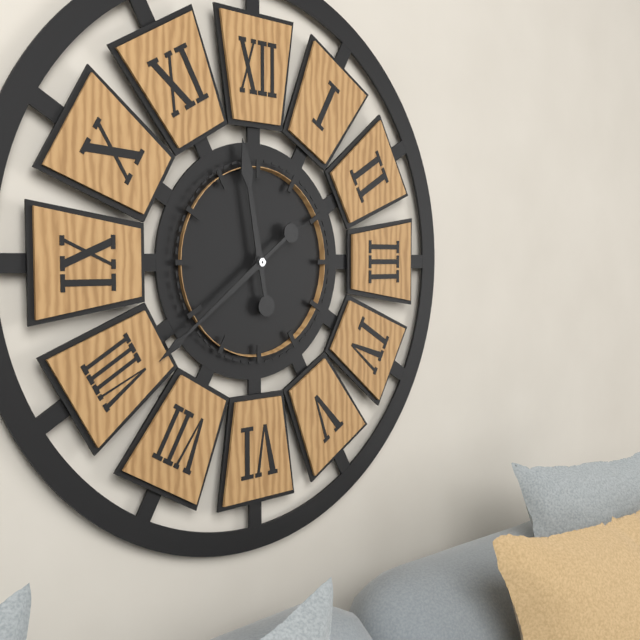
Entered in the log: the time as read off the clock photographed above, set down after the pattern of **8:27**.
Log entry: **11:39**
